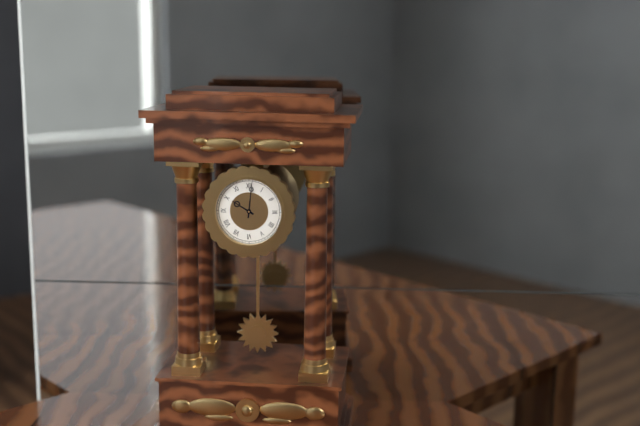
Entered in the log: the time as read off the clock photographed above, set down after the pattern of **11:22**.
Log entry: **10:01**
